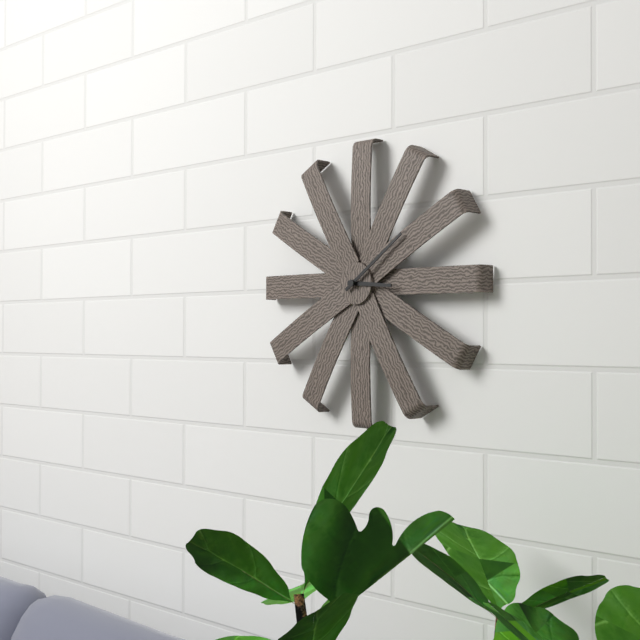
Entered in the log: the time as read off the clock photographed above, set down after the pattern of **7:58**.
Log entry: **3:09**
